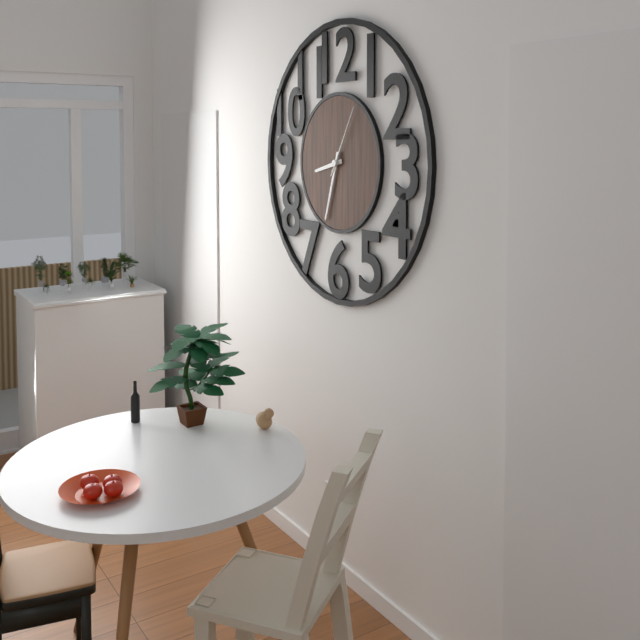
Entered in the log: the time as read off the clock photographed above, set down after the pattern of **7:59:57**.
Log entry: **8:33:05**
